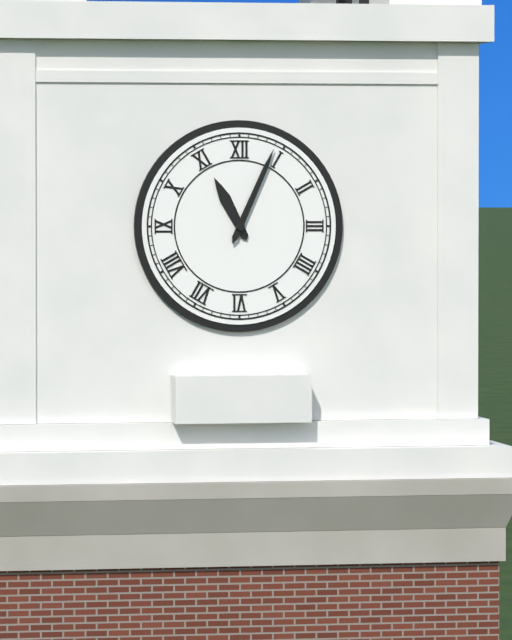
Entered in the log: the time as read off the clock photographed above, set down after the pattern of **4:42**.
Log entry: **11:04**
